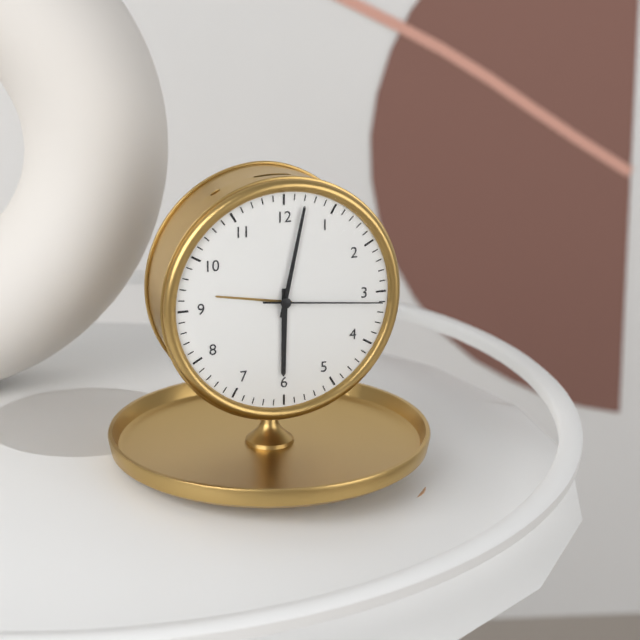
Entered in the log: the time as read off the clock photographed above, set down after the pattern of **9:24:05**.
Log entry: **6:02:16**
